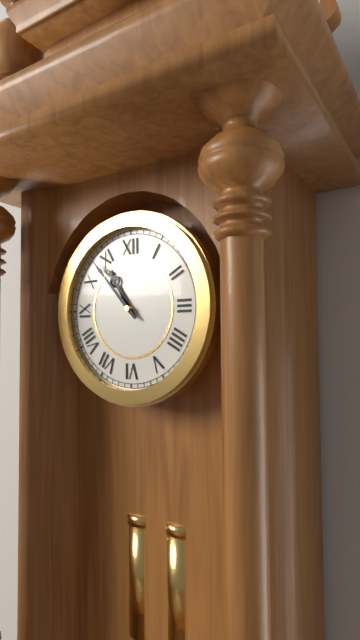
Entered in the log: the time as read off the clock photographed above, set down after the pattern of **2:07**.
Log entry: **10:53**
